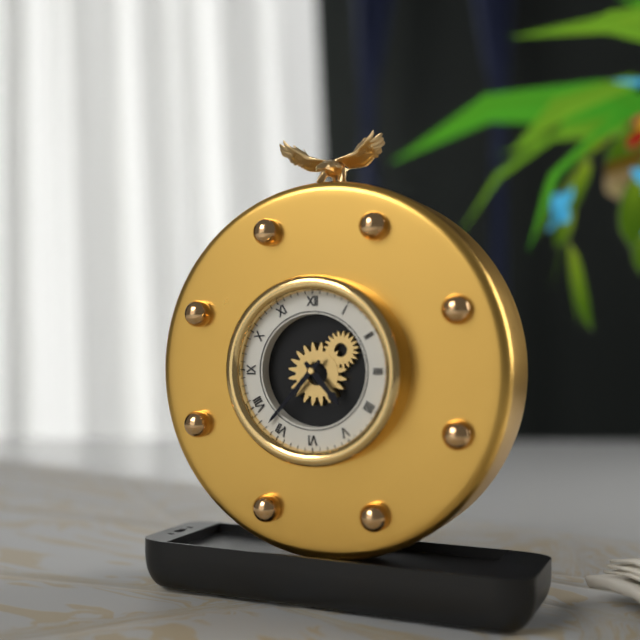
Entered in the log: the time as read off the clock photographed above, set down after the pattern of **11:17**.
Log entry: **4:37**
